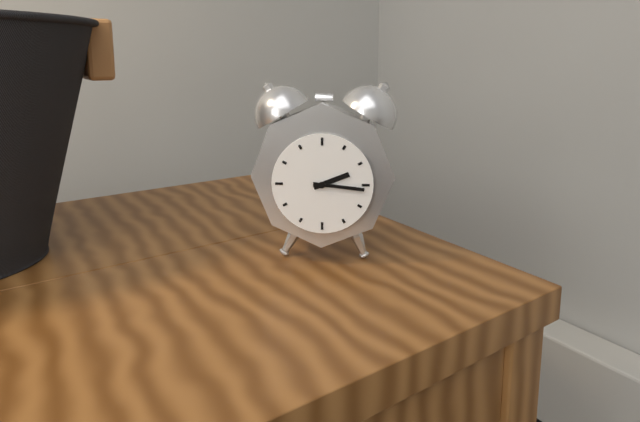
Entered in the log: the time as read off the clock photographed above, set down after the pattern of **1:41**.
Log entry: **2:16**
